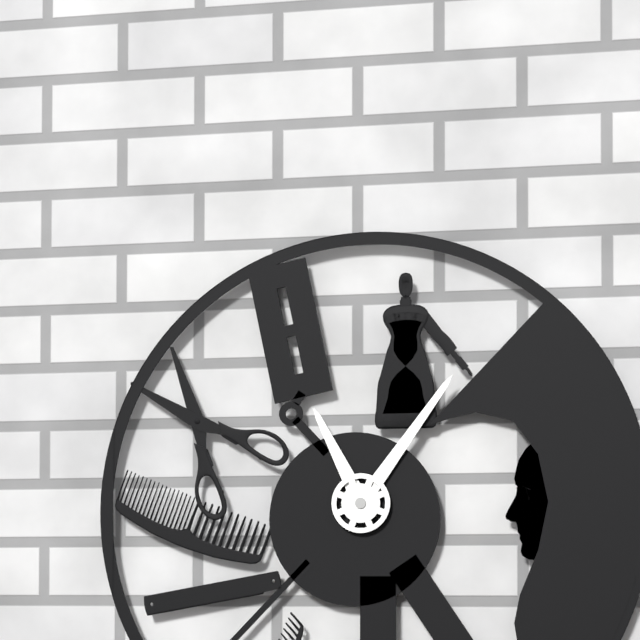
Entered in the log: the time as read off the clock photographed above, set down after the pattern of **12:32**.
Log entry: **11:06**
